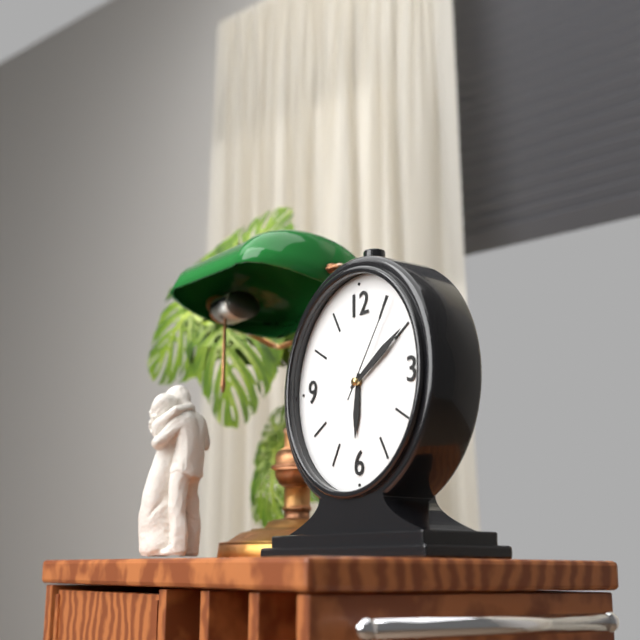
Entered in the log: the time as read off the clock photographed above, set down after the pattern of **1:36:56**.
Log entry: **6:10:06**
